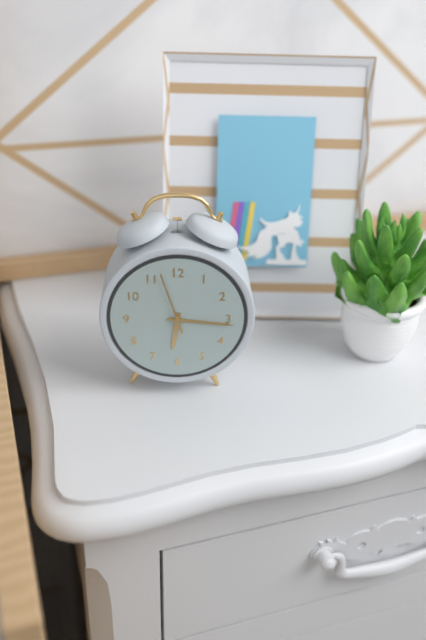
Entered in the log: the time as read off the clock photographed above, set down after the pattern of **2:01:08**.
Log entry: **6:16:57**
